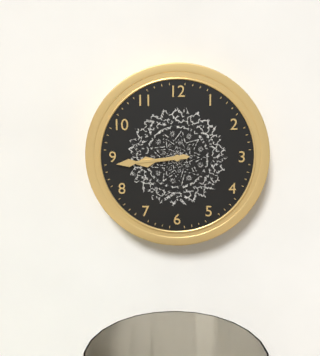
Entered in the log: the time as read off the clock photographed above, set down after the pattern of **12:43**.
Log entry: **8:44**
